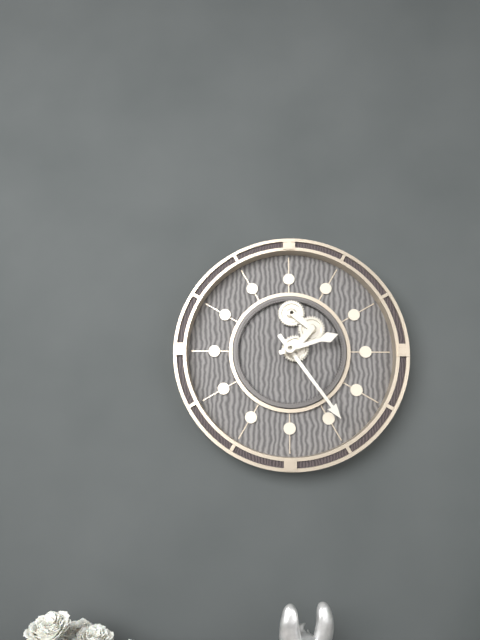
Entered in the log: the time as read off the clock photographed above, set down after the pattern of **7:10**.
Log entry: **2:24**
